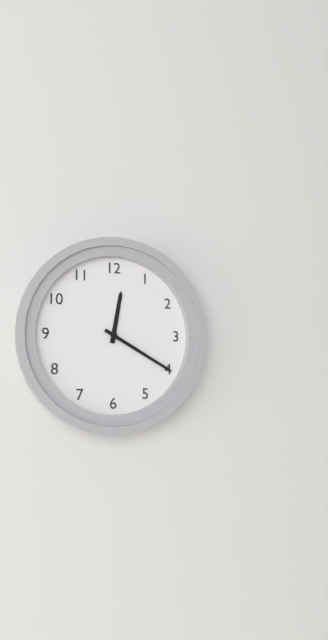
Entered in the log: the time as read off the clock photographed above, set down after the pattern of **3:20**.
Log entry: **12:20**
